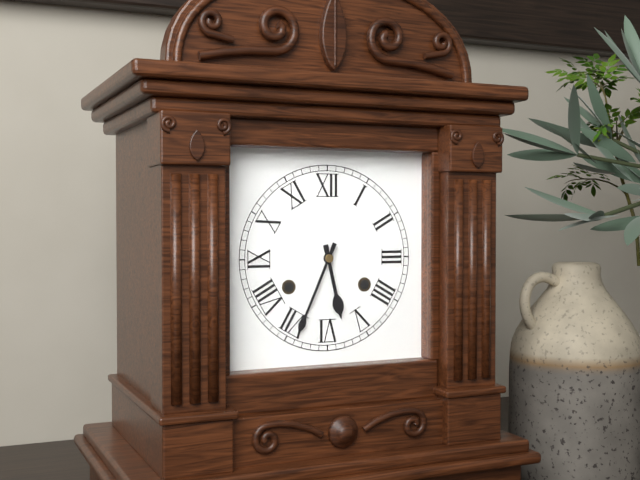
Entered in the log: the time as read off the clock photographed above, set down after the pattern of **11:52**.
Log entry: **5:34**
